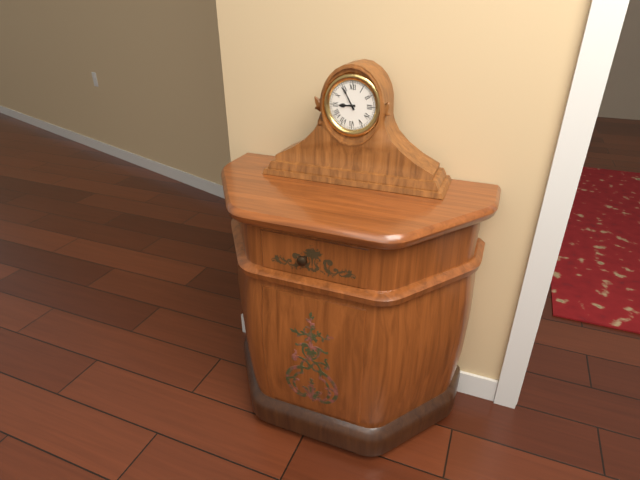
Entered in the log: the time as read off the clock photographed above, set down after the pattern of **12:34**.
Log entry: **8:55**
